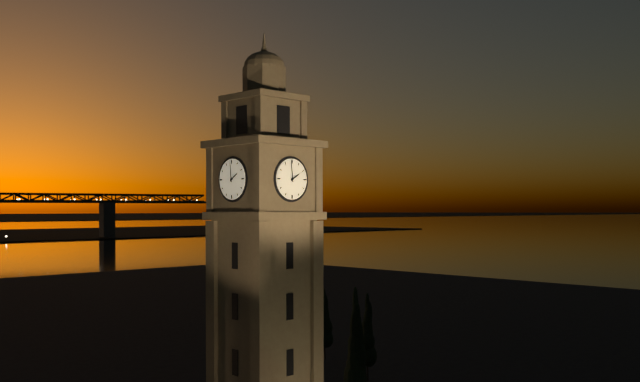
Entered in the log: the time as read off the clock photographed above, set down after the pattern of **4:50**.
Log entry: **1:59**
